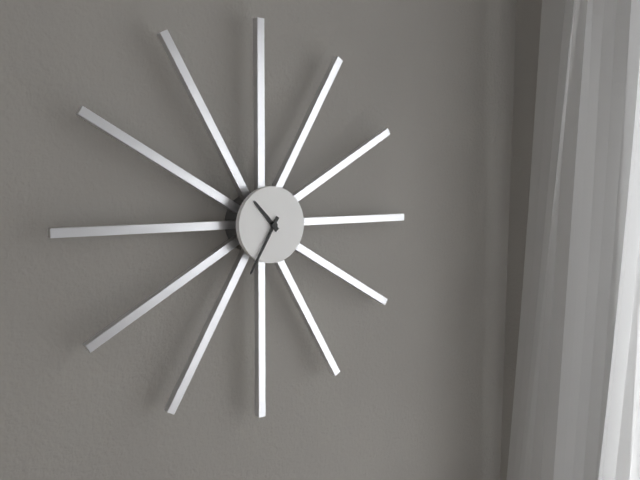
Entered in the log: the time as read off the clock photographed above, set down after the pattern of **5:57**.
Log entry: **10:35**
